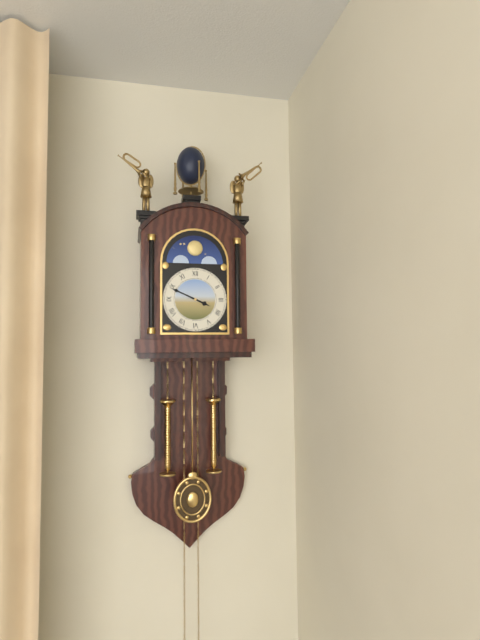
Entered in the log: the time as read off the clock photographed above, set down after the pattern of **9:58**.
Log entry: **3:49**
